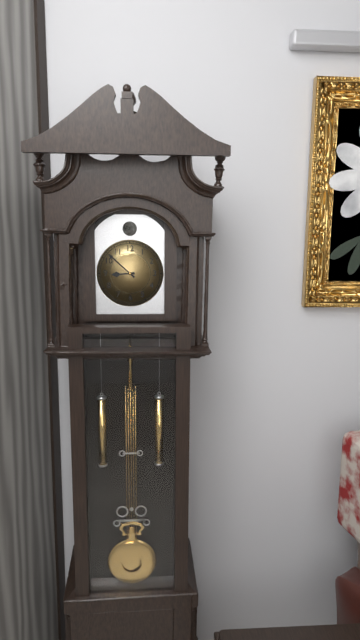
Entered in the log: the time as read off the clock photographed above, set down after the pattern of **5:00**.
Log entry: **8:52**
